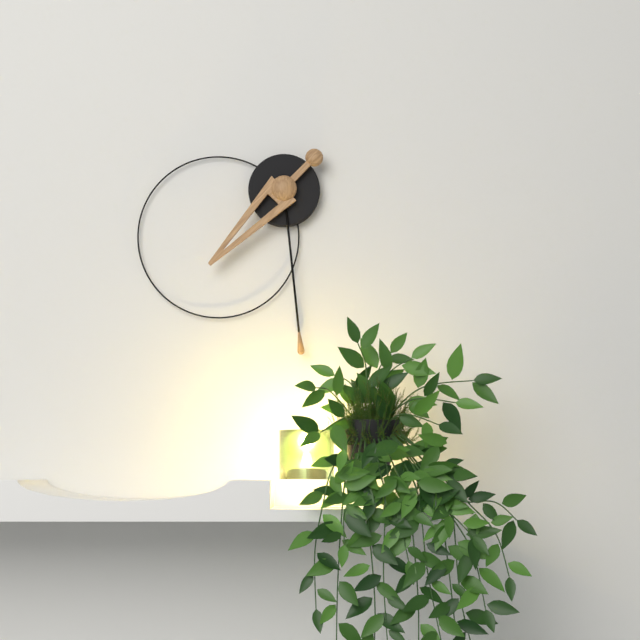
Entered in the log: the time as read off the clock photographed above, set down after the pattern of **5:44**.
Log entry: **7:29**
